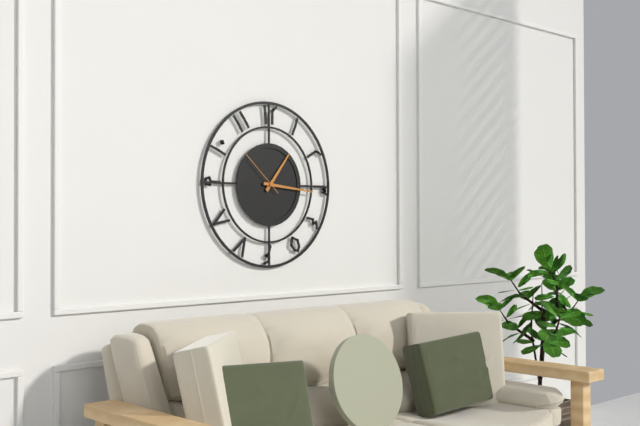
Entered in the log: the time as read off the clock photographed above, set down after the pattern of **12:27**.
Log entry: **1:16**
